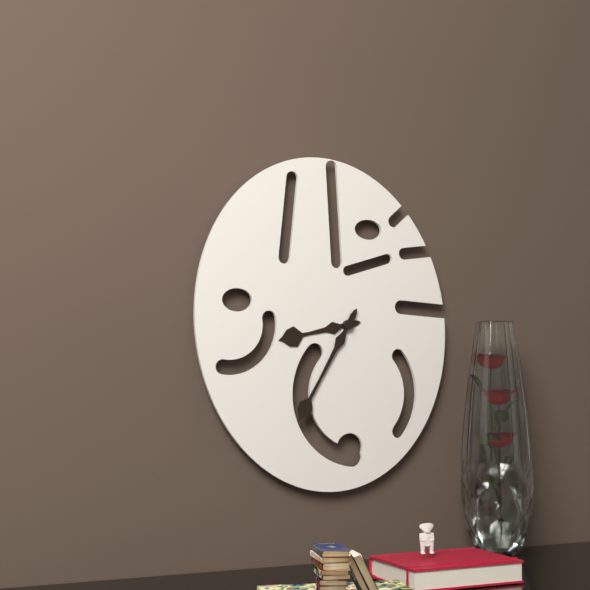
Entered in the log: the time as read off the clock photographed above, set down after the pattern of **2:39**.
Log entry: **8:35**
